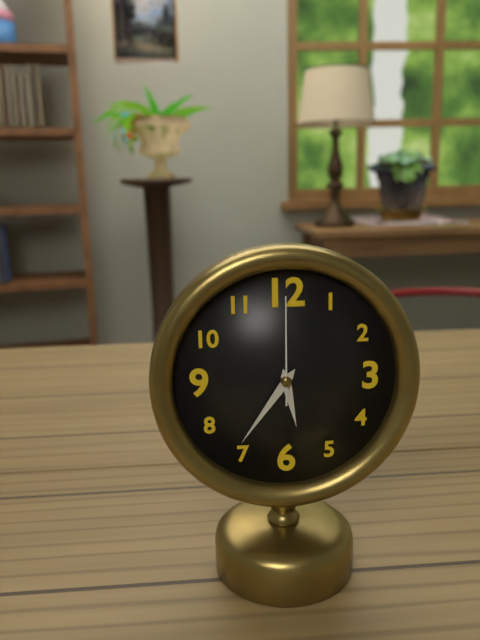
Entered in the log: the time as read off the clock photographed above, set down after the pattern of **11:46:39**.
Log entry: **5:36:00**
